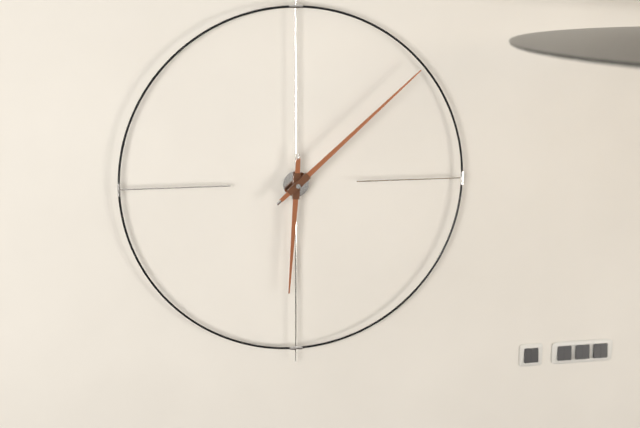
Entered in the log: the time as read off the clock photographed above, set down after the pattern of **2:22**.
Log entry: **6:08**
